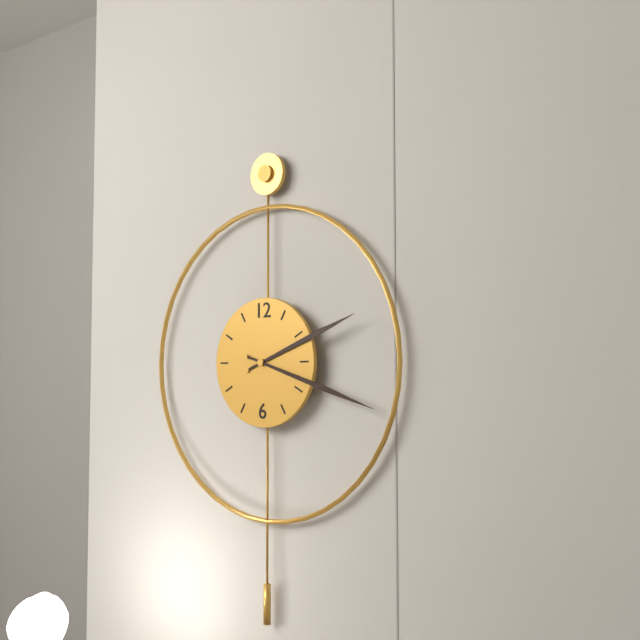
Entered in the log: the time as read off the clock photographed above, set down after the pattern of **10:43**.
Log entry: **2:18**
